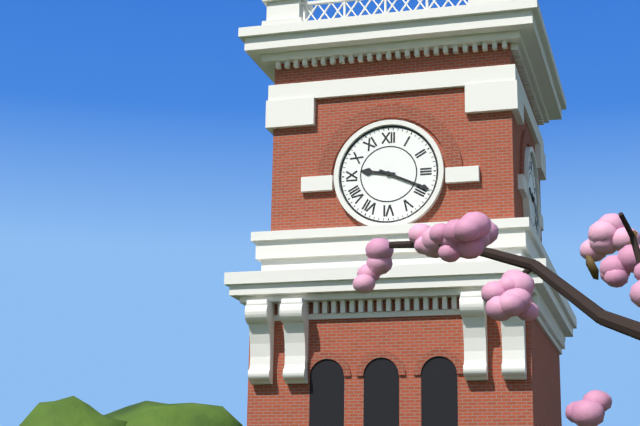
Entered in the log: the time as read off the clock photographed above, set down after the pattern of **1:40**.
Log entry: **9:19**
